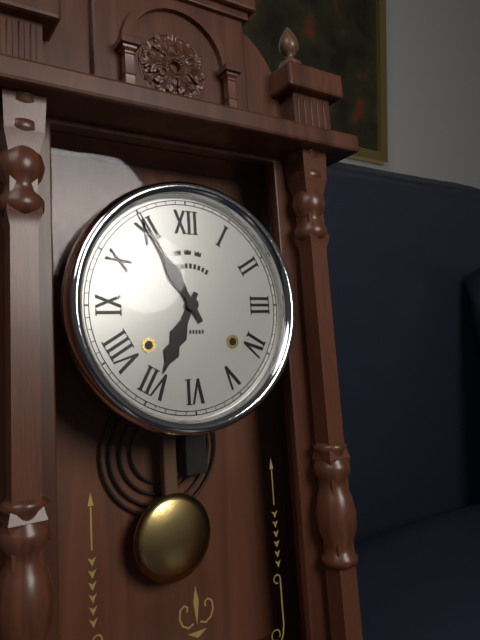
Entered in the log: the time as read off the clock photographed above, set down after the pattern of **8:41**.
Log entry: **6:55**
